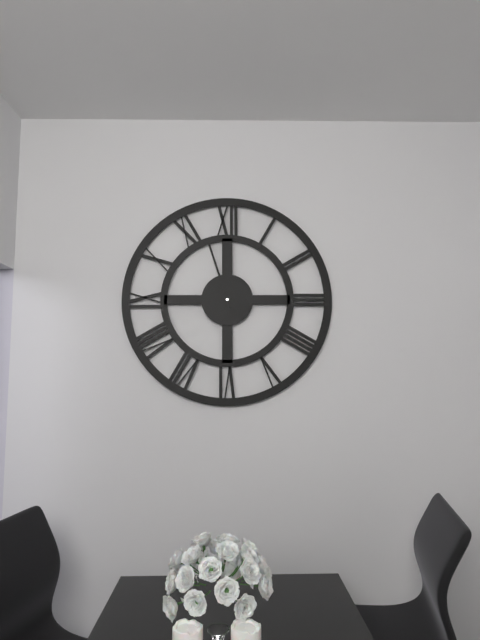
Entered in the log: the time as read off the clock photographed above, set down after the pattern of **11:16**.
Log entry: **11:57**
